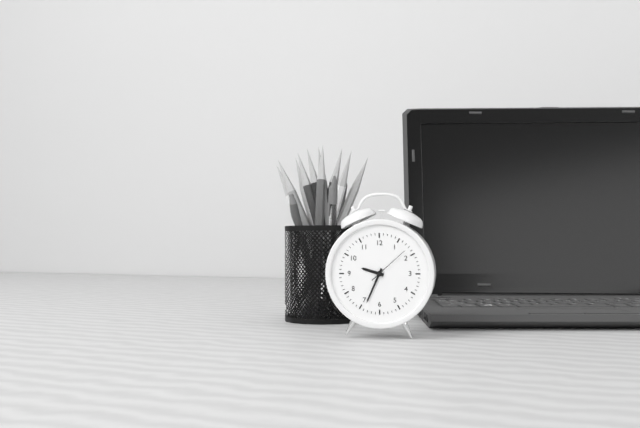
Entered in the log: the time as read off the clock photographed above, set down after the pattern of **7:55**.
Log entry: **9:34**
